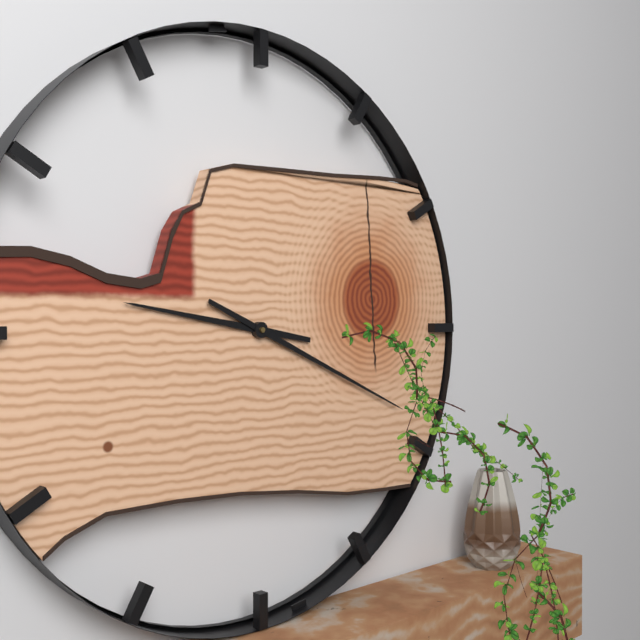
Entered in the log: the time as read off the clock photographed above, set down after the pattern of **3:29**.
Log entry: **9:19**
